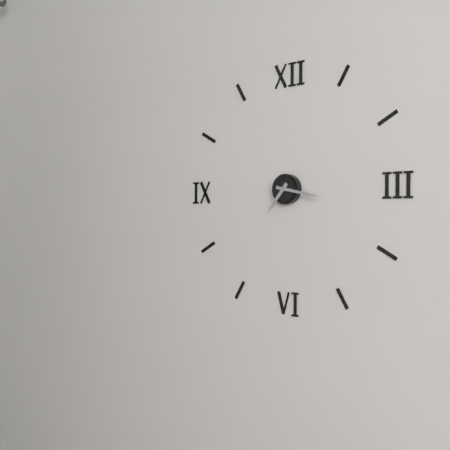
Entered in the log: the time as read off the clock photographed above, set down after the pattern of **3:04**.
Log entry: **7:17**
